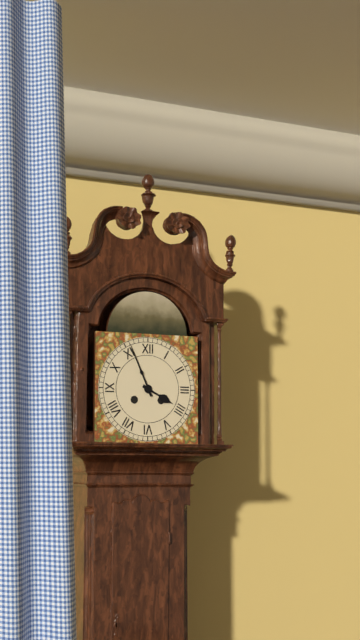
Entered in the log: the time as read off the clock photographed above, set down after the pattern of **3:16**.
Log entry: **3:56**
